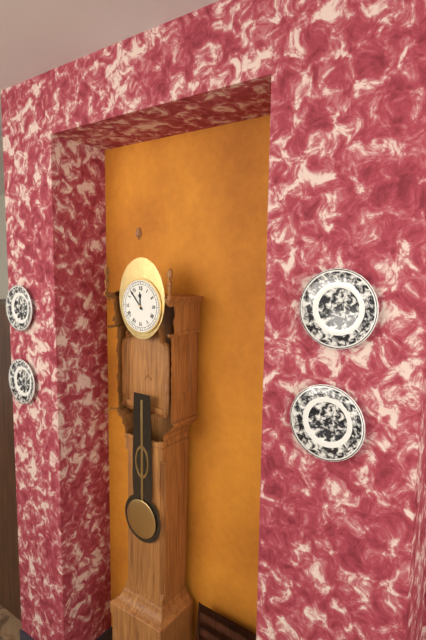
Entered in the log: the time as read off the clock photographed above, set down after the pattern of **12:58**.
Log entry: **11:53**
